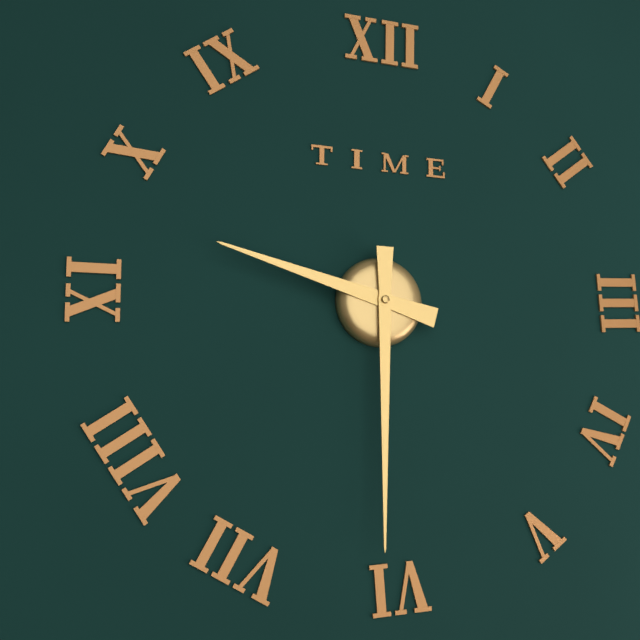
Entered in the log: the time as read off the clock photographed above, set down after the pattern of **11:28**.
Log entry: **9:30**
